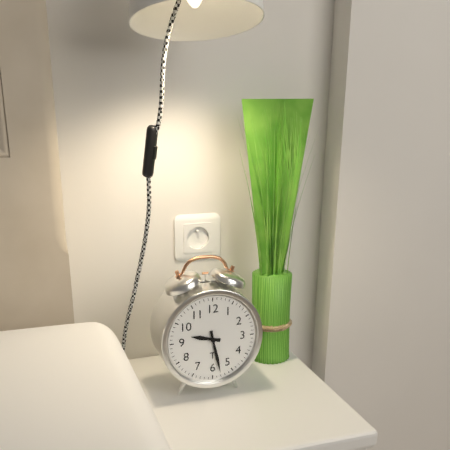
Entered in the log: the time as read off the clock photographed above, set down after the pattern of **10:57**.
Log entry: **9:28**
